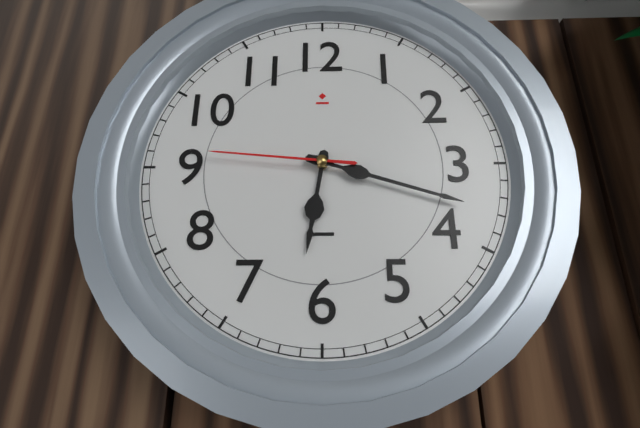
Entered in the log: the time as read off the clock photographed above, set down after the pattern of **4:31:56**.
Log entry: **6:18:46**
